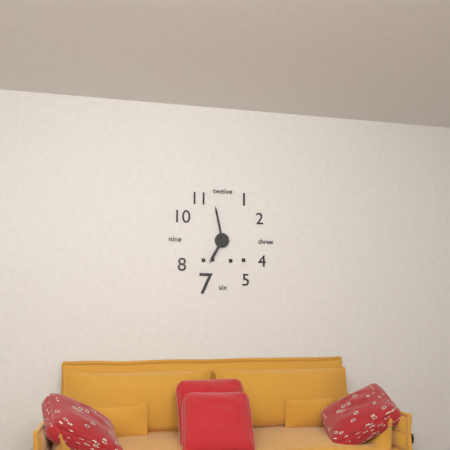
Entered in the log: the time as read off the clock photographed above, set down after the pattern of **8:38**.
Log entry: **6:58**
